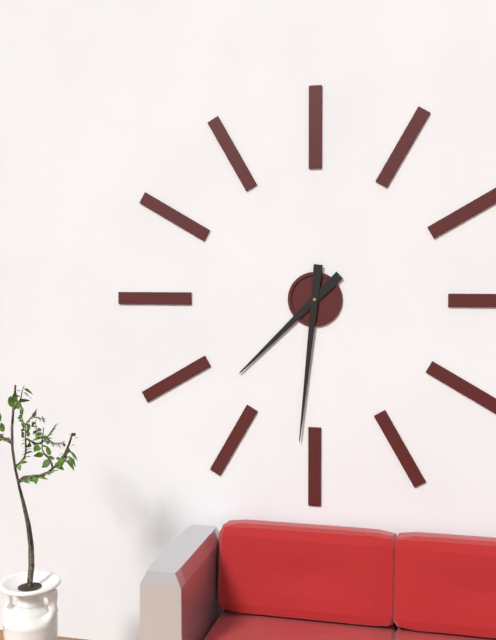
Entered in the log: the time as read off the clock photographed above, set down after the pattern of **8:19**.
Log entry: **7:31**
